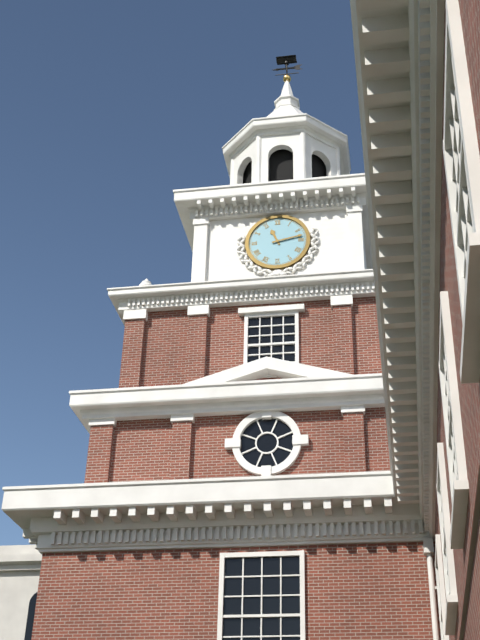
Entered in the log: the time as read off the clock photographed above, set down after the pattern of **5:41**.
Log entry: **11:13**
